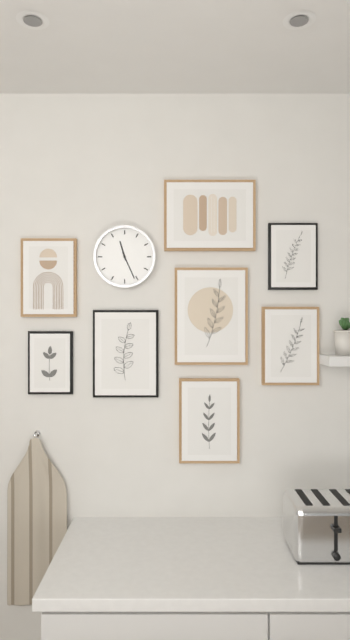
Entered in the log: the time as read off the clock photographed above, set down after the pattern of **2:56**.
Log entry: **11:26**
